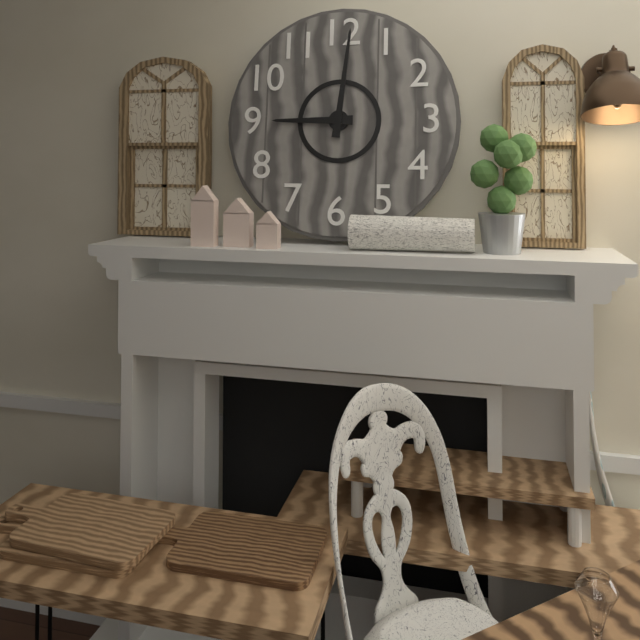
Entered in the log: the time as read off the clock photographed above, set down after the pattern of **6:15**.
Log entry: **9:01**
